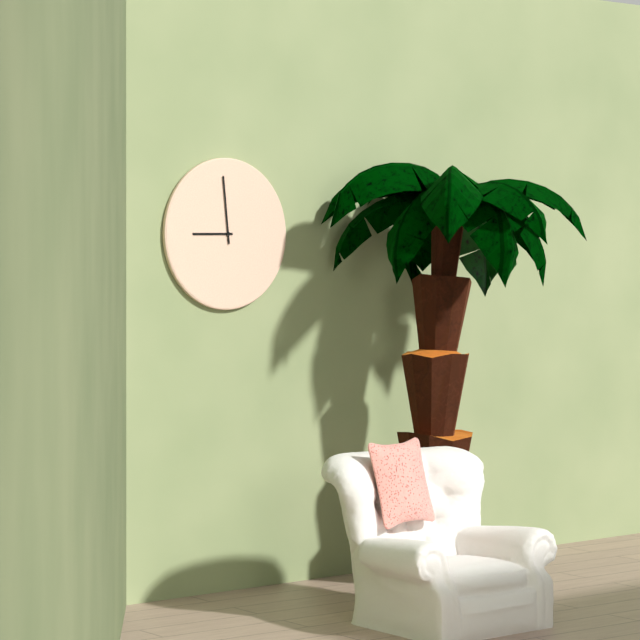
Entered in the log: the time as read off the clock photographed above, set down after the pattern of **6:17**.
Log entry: **8:59**
